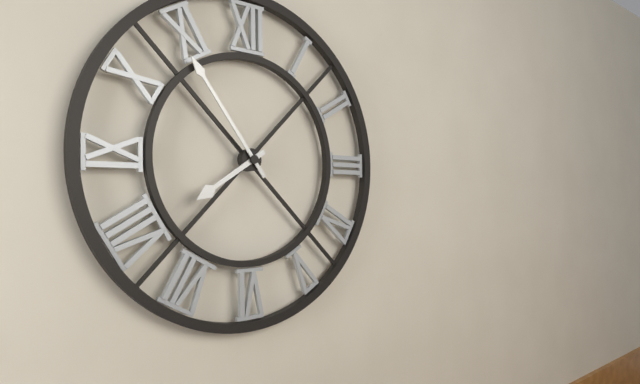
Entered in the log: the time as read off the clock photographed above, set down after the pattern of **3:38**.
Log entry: **7:54**
